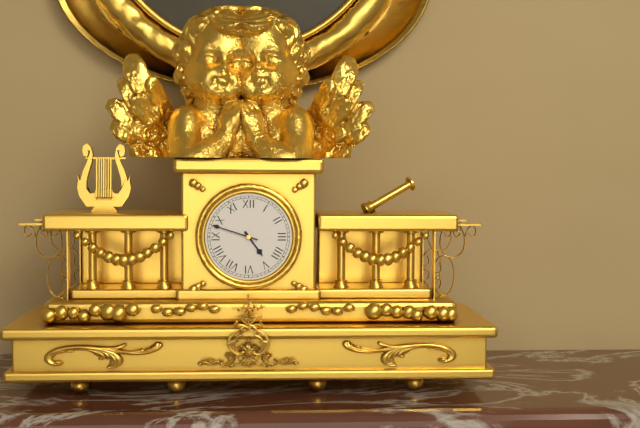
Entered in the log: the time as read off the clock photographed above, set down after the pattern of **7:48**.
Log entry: **4:48**
